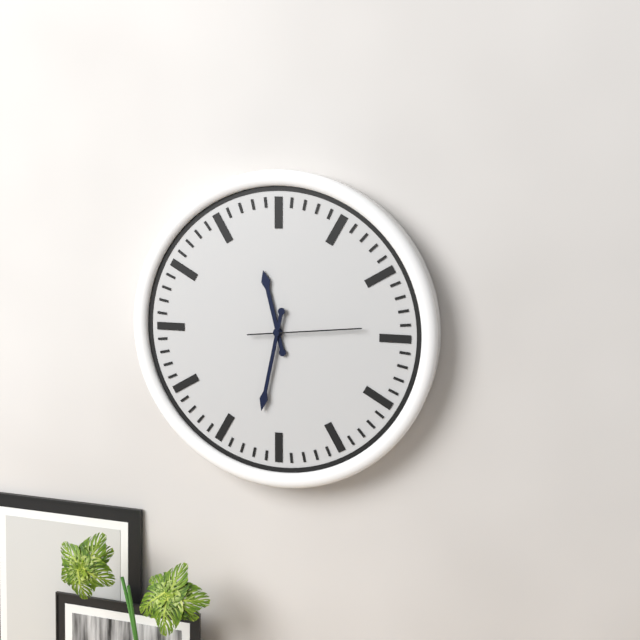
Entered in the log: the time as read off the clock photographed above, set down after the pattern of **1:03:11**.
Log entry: **11:32:14**
